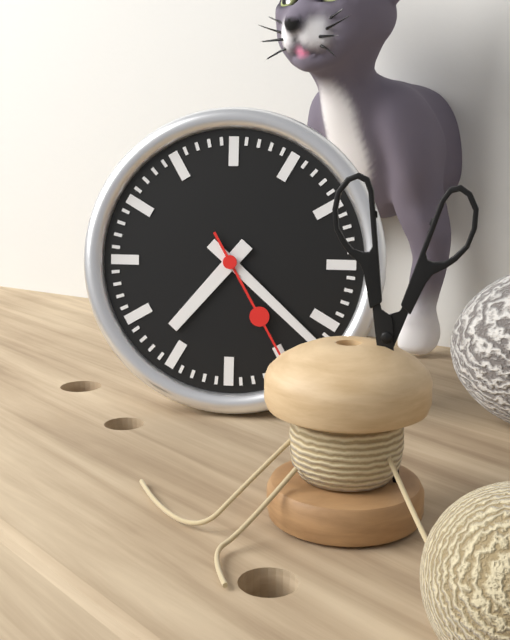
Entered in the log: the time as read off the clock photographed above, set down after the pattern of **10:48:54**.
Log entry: **7:22:25**
